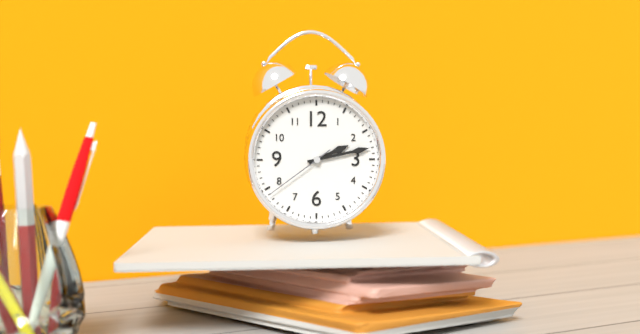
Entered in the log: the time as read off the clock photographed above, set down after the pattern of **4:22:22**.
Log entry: **2:13:39**
